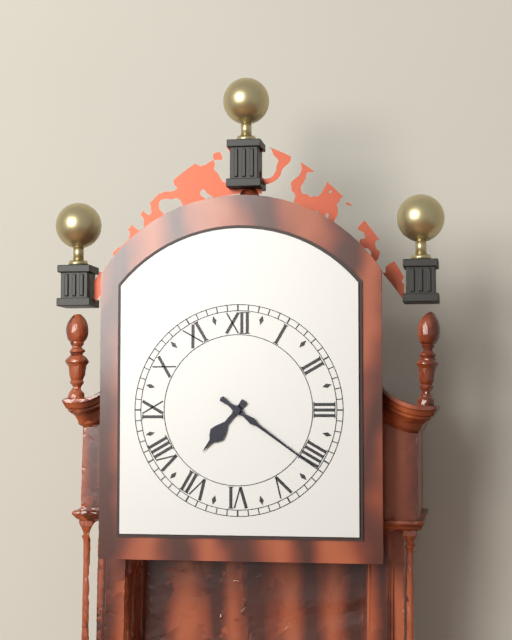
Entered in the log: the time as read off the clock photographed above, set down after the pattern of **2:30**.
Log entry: **7:21**
